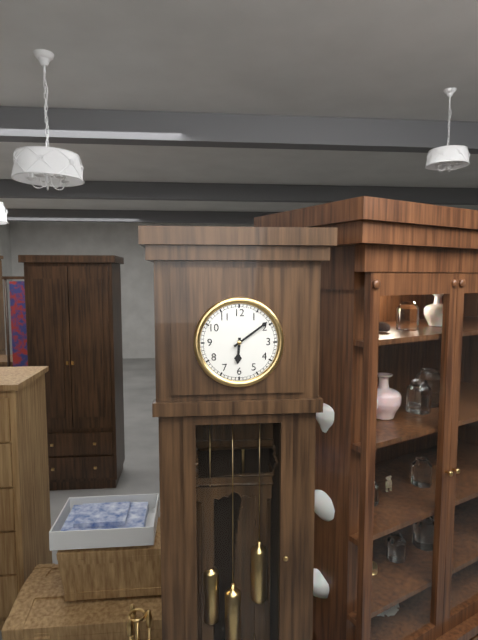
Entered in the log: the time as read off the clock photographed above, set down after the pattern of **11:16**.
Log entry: **6:09**
